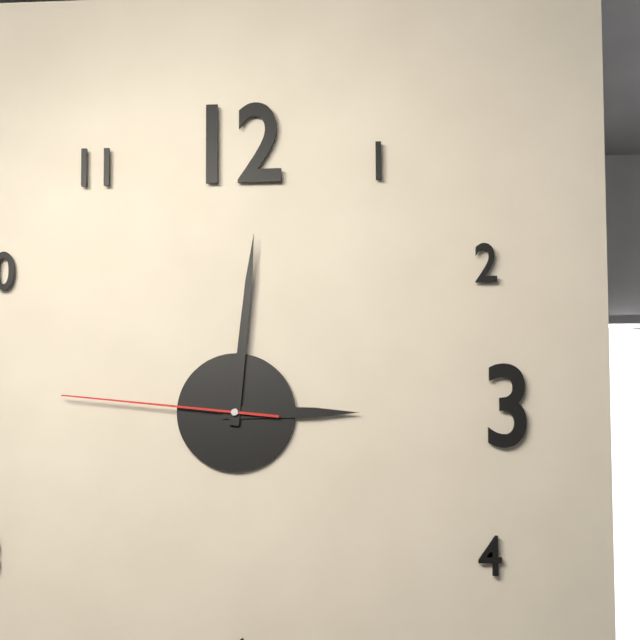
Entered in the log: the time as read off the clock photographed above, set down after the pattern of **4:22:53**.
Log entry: **3:01:46**
